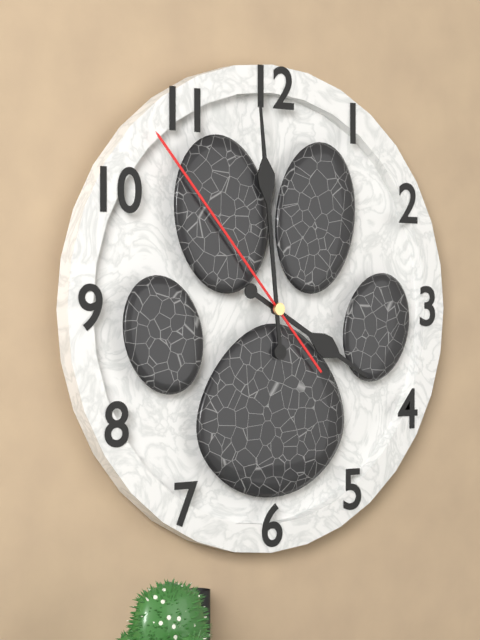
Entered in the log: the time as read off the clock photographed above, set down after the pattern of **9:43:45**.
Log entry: **3:59:53**
